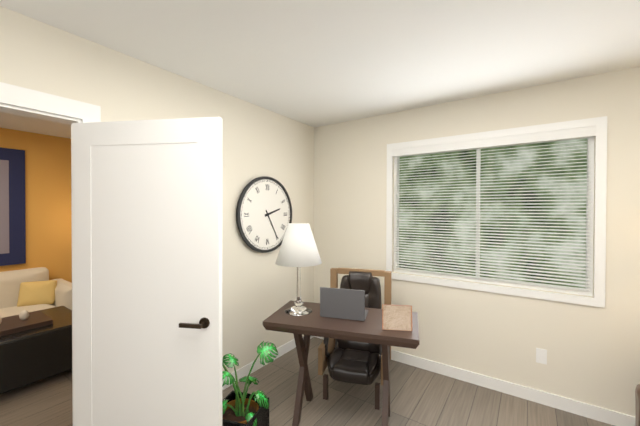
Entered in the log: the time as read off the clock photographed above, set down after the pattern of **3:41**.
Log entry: **2:25**
